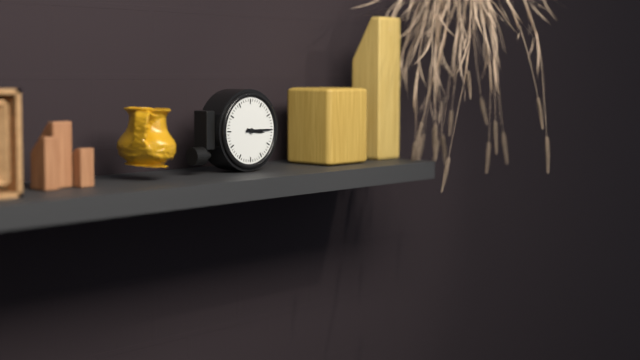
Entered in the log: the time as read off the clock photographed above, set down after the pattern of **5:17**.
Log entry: **3:15**
